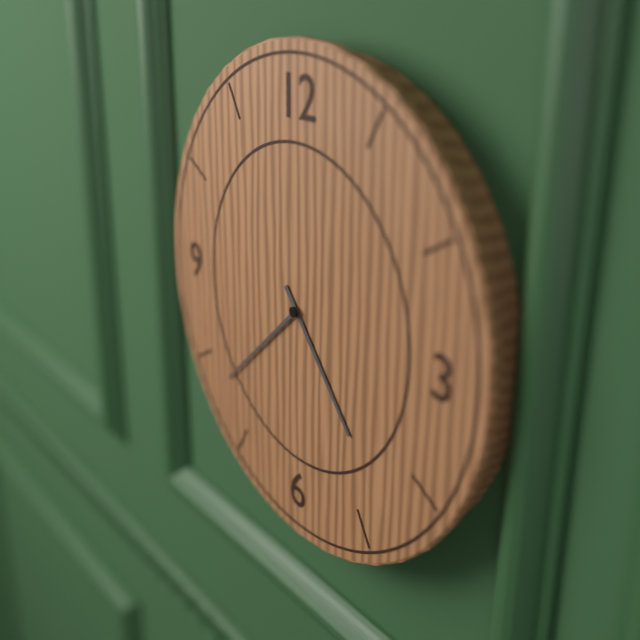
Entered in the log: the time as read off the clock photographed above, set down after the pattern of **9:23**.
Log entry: **4:38**
